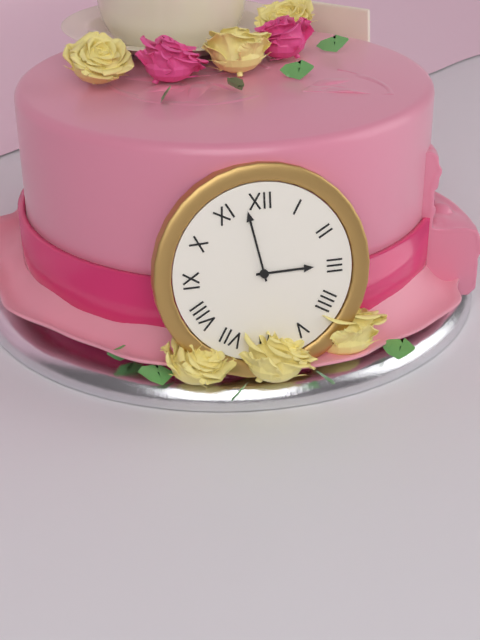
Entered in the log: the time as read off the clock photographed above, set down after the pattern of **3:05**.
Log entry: **2:58**
